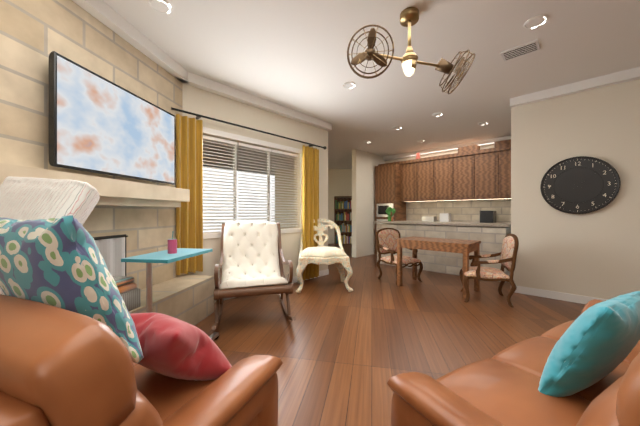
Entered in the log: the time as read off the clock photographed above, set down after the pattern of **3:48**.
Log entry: **4:08**
